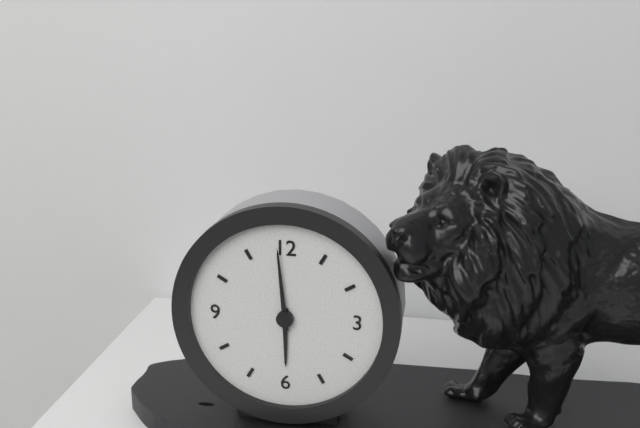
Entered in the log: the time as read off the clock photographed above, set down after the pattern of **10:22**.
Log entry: **5:59**
